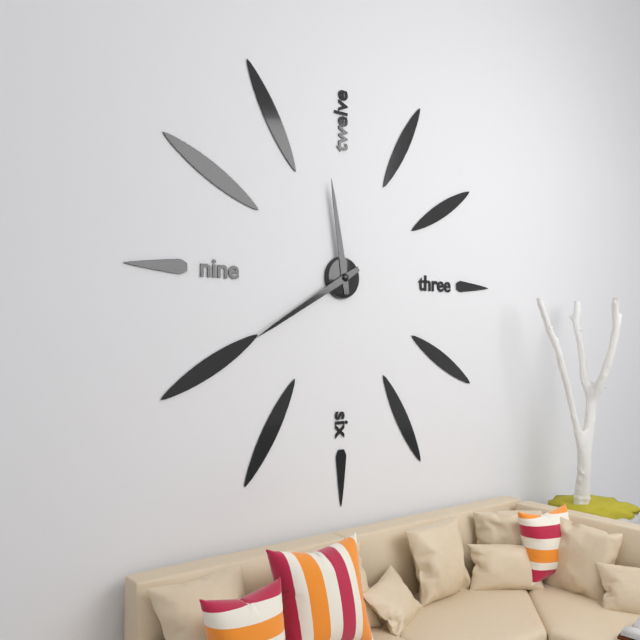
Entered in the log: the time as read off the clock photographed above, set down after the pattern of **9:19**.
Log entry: **11:40**
